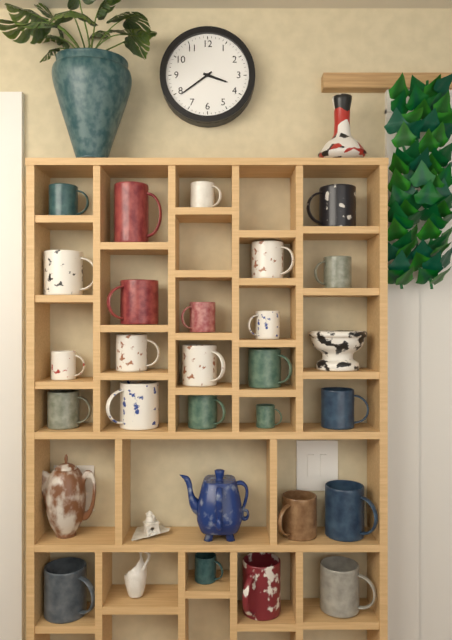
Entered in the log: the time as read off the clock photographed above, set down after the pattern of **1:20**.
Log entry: **3:39**
